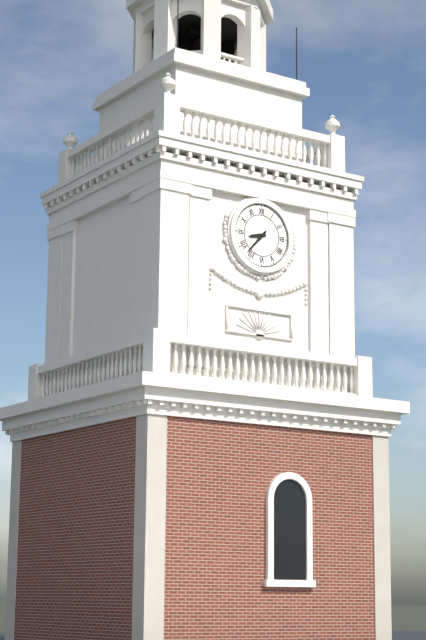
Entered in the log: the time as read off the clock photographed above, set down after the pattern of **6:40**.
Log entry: **8:37**
